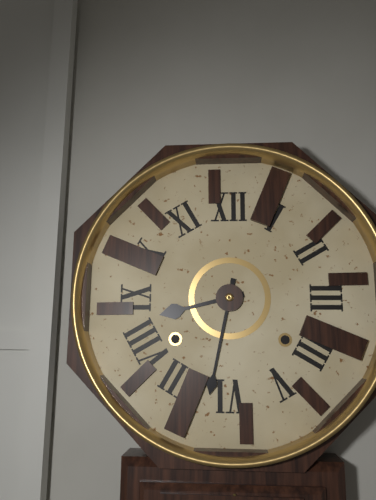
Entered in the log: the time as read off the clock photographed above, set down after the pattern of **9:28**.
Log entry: **8:32**
